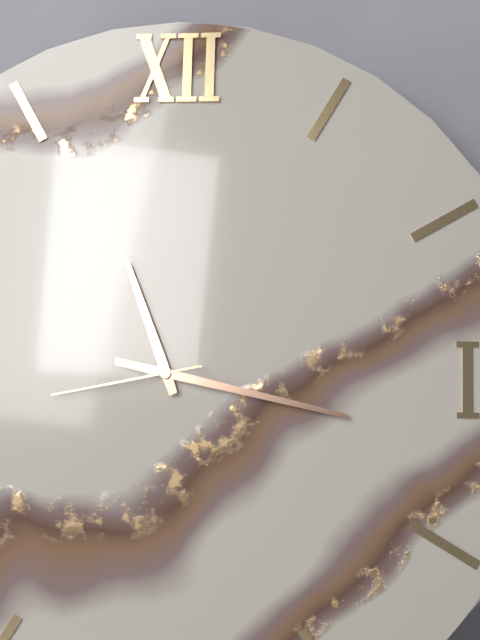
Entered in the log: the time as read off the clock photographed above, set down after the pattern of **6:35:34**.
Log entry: **11:17:43**
